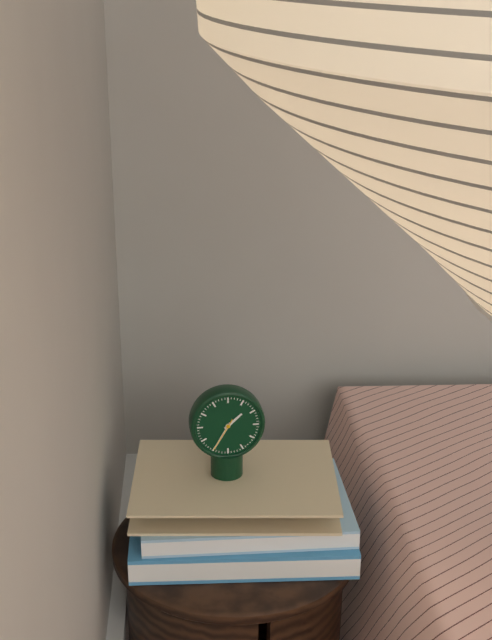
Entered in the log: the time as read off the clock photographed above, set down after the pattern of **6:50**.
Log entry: **1:35**
